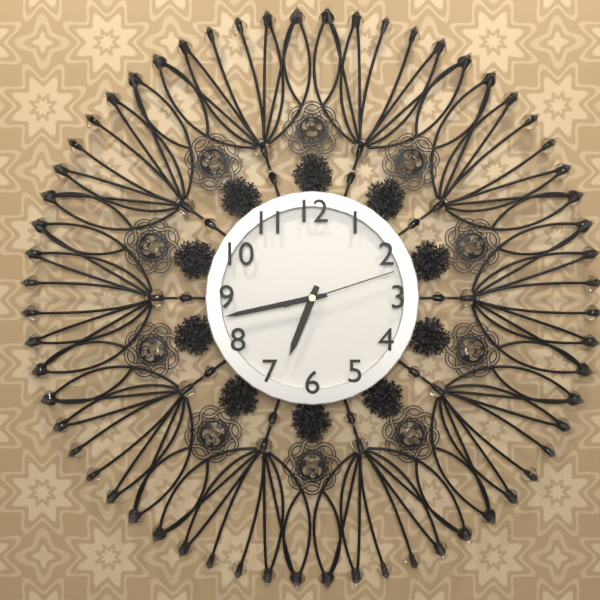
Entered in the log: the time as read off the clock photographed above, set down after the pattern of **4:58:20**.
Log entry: **6:43:12**
